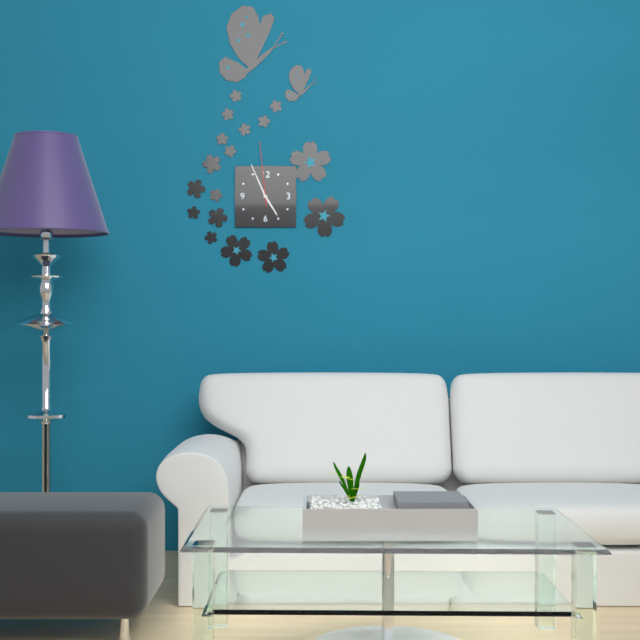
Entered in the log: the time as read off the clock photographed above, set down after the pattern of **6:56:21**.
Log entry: **4:56:59**
